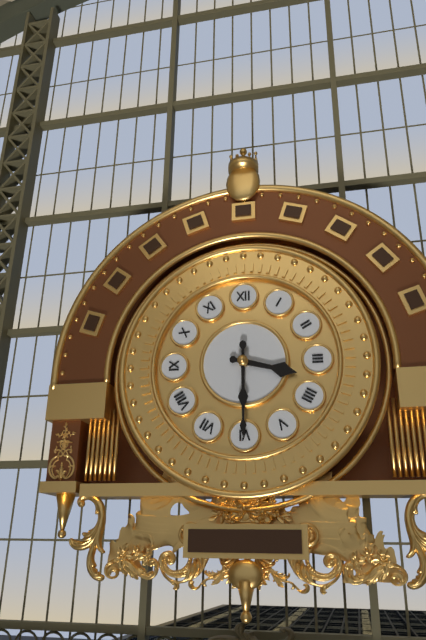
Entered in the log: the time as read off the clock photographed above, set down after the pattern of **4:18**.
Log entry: **3:30**
